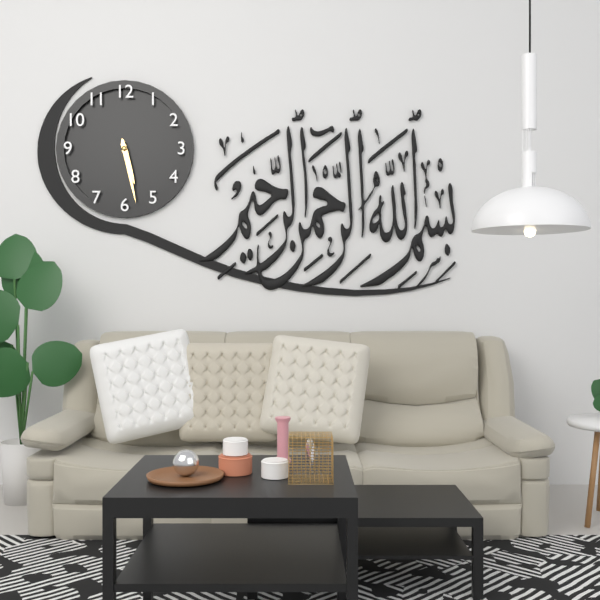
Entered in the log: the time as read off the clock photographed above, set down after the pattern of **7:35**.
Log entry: **5:28**
